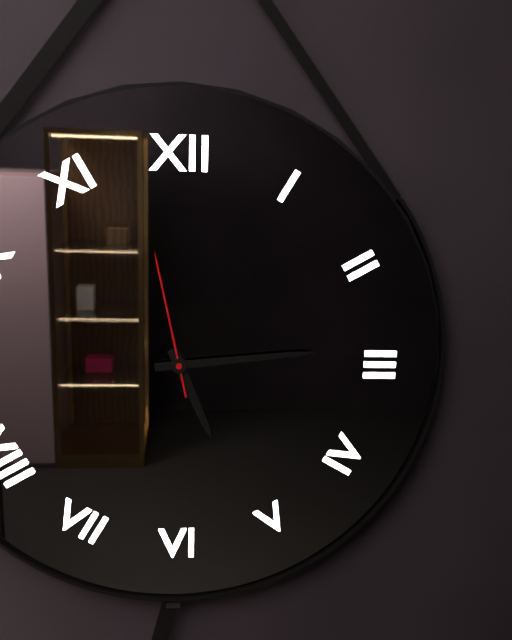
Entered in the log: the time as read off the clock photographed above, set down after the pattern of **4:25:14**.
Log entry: **5:14:58**
